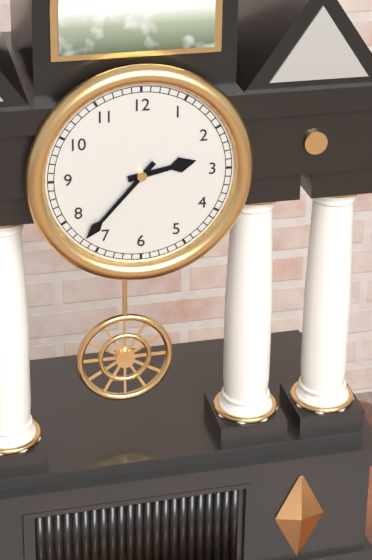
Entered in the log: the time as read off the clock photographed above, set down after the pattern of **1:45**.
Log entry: **2:37**
